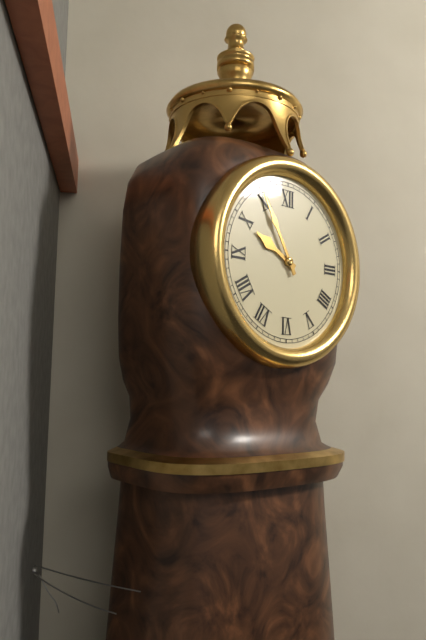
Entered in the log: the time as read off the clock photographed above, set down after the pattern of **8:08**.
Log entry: **9:55**
